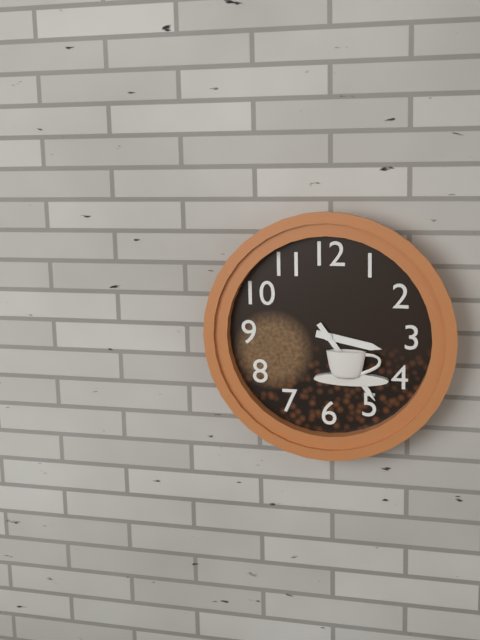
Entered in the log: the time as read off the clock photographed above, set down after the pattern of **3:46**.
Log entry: **3:24**
